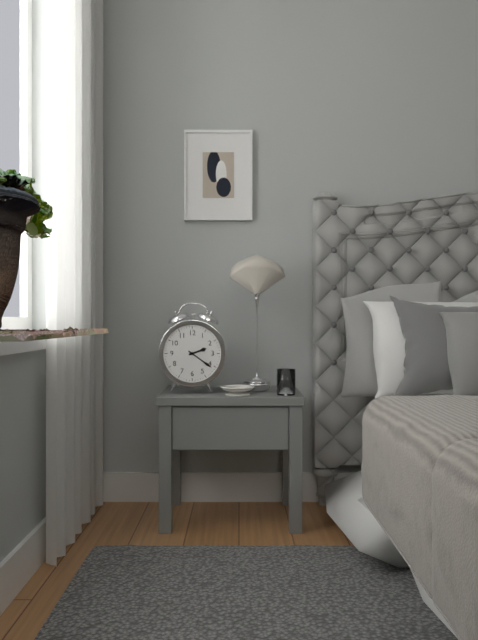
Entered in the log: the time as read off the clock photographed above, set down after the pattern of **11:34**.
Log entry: **2:21**
